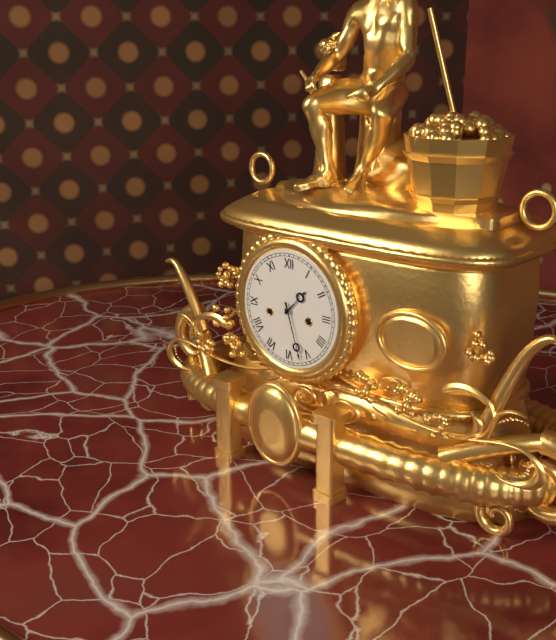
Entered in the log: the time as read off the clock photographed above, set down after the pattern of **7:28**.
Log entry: **1:27**
